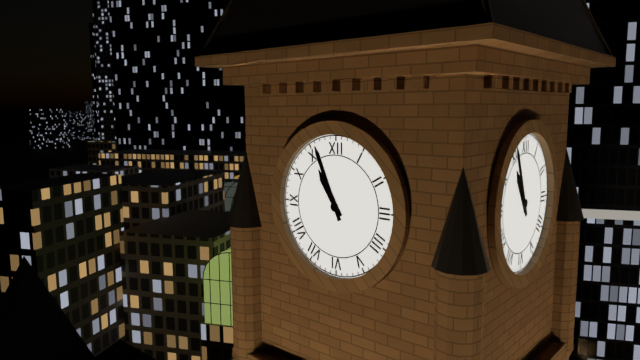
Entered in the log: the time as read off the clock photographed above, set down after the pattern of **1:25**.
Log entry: **10:56**
